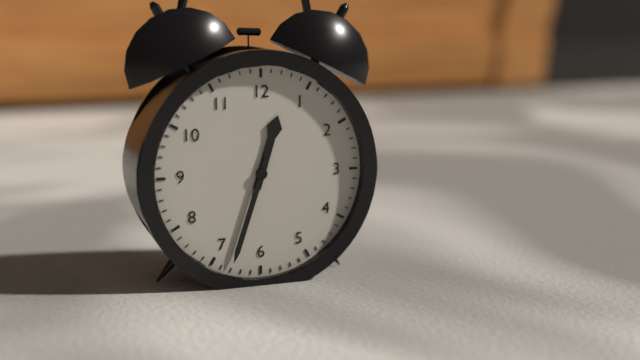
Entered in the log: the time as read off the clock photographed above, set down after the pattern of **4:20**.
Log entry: **12:33**
